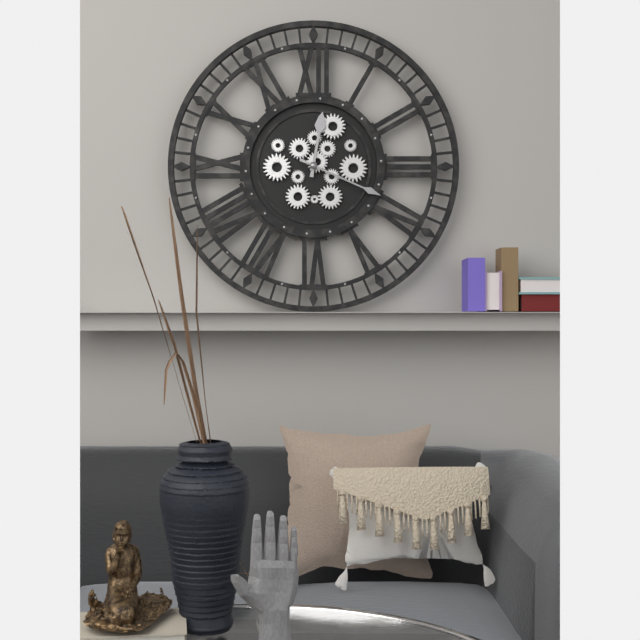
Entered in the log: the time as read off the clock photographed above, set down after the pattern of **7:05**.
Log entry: **12:19**
